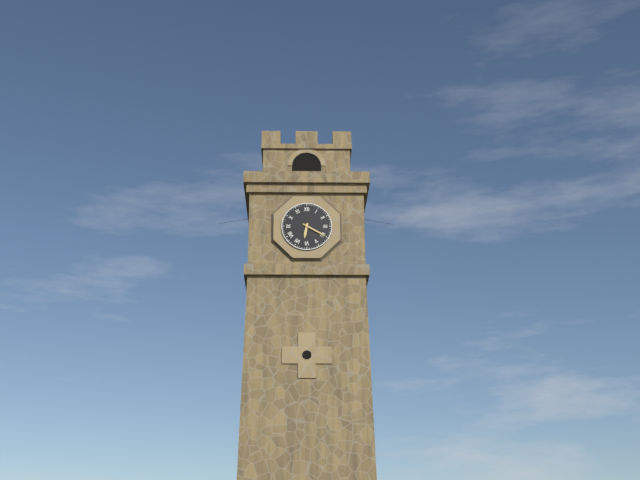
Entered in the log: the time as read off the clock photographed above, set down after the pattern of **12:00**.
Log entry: **6:20**
